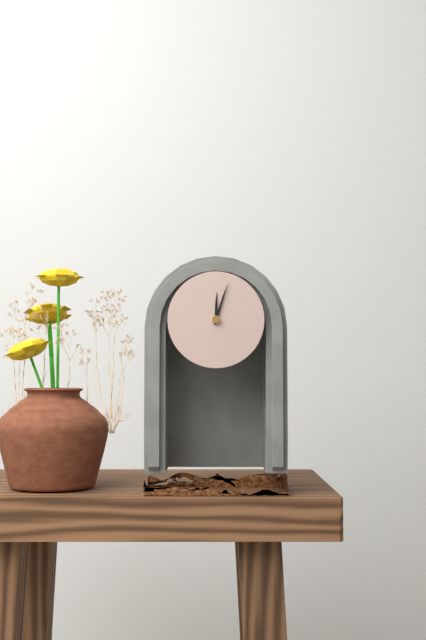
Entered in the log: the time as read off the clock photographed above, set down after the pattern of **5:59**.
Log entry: **12:03**
